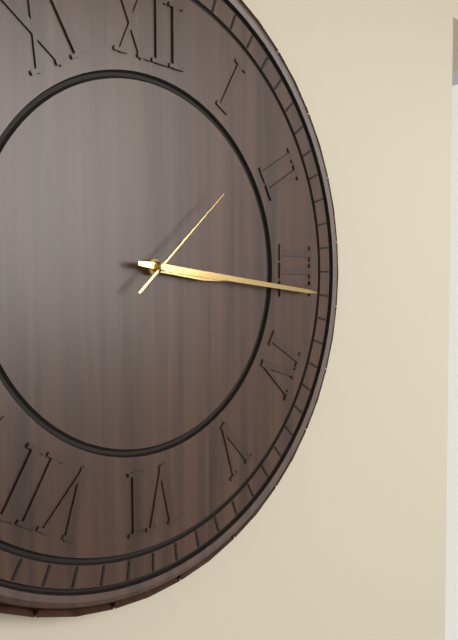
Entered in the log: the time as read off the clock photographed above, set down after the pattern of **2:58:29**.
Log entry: **3:16:08**
